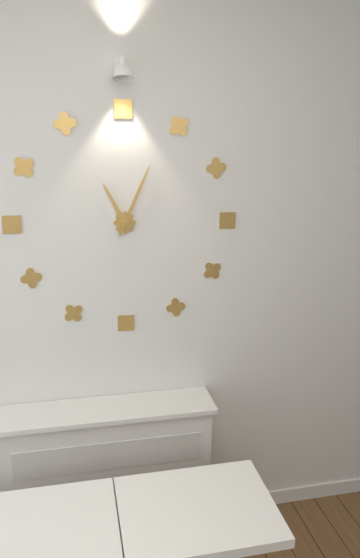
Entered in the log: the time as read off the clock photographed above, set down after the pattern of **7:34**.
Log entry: **11:04**
